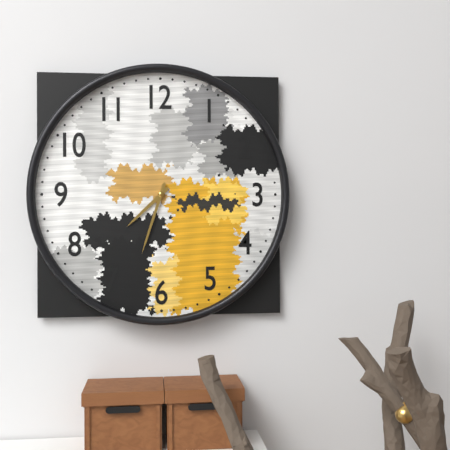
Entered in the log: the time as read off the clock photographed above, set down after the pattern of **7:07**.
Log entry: **7:33**
